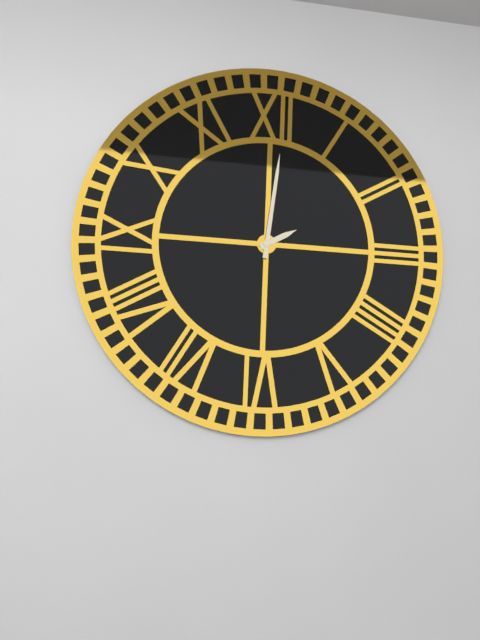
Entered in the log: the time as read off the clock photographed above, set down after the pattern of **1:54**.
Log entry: **2:01**
